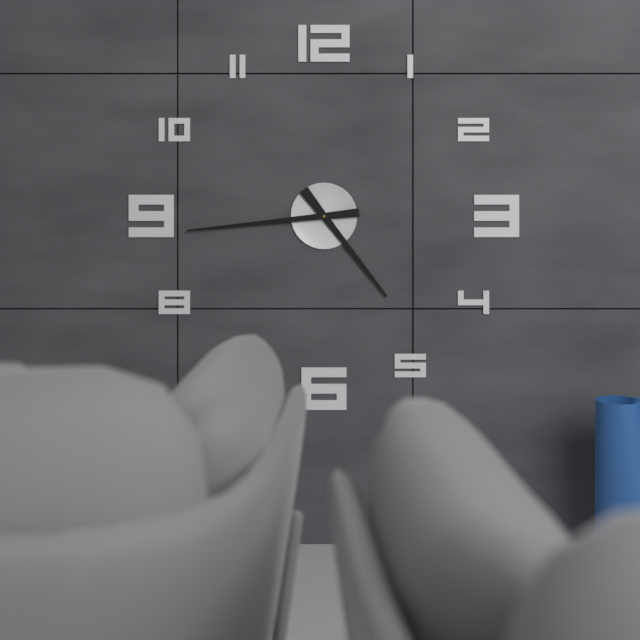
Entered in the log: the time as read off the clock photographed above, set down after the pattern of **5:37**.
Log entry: **4:44**
